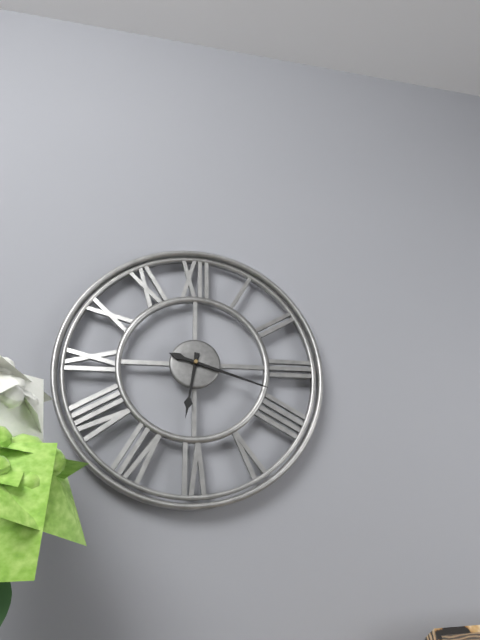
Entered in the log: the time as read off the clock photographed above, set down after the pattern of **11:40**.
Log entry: **6:18**
